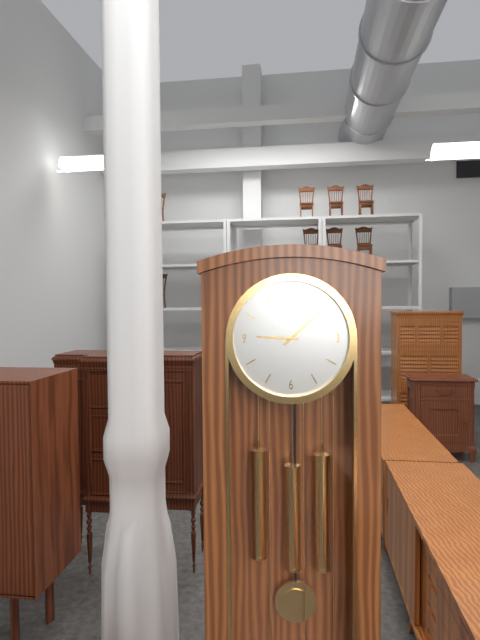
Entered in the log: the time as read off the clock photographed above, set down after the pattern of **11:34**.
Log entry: **9:08**
